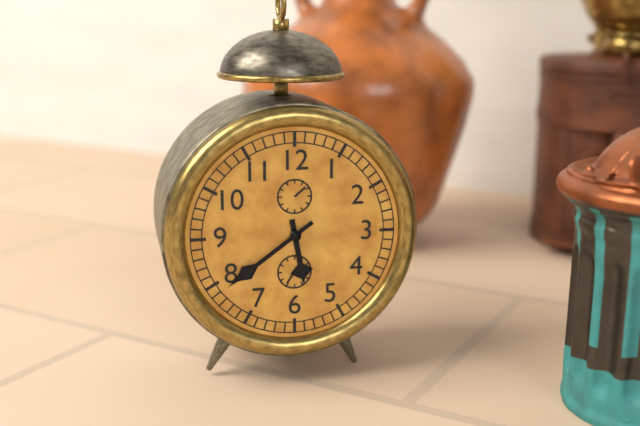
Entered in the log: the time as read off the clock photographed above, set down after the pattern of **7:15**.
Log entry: **5:39**
